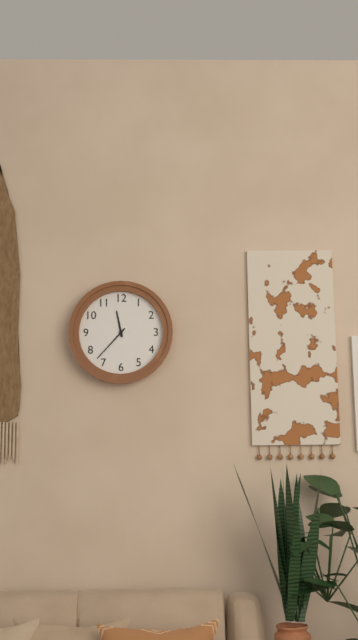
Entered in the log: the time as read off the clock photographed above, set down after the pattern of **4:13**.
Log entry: **11:37**
